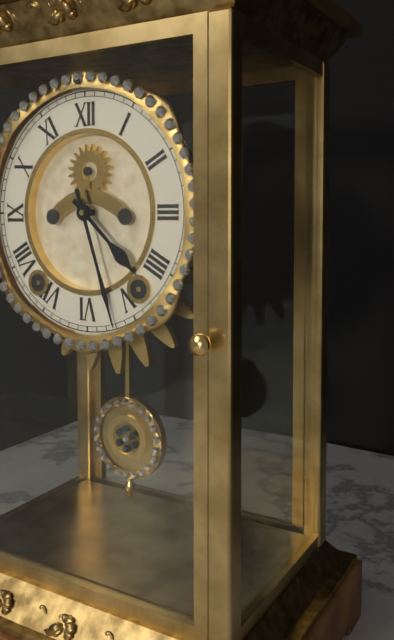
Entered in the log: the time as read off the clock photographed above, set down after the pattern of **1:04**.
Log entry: **4:27**
